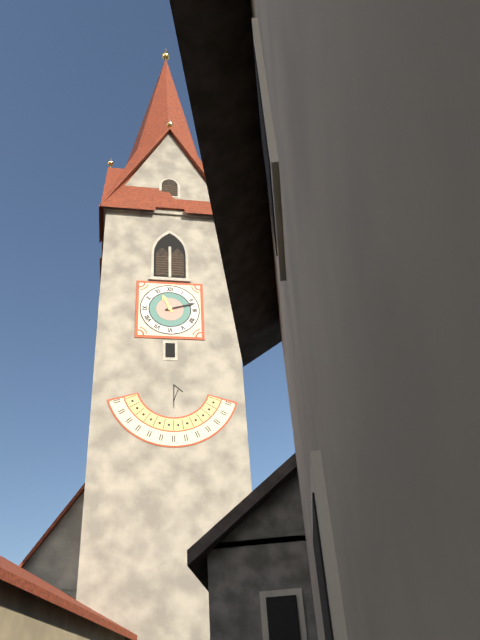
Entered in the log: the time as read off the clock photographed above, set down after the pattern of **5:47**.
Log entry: **11:12**
